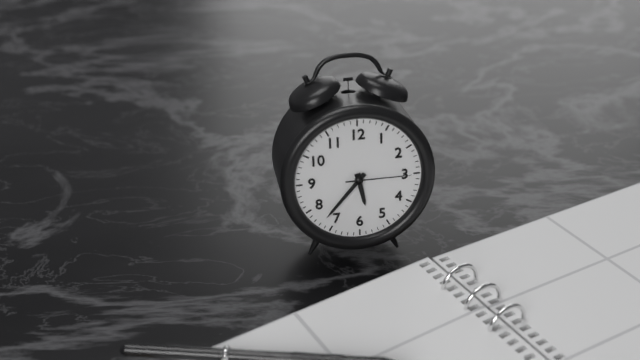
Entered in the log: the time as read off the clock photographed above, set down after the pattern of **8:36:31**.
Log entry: **5:37:15**
